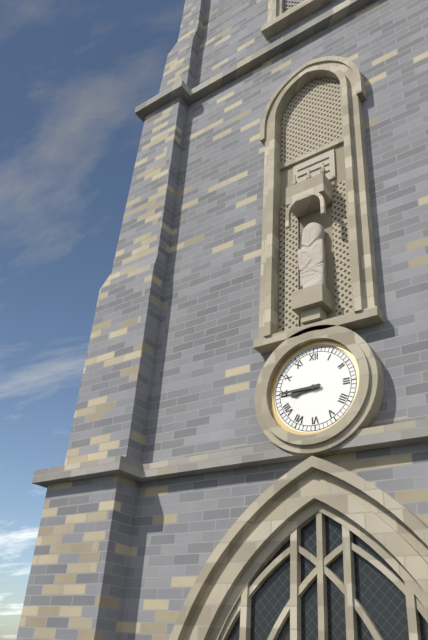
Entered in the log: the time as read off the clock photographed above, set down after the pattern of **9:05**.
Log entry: **8:45**
